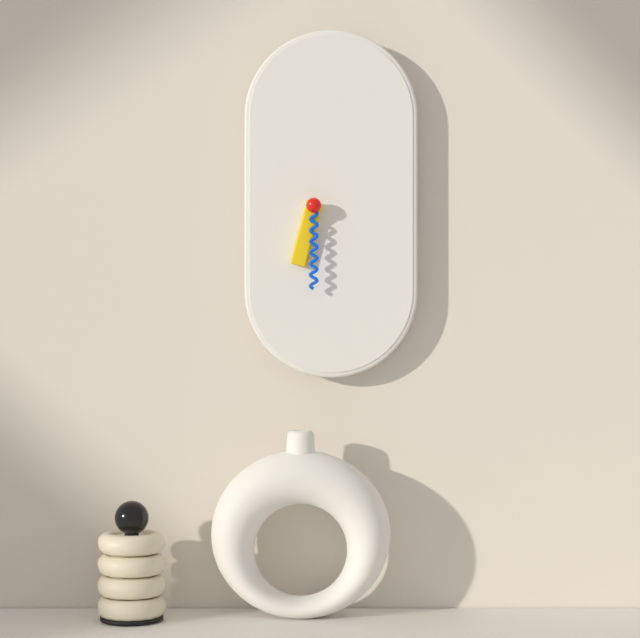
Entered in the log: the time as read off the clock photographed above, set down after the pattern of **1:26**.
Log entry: **6:30**
